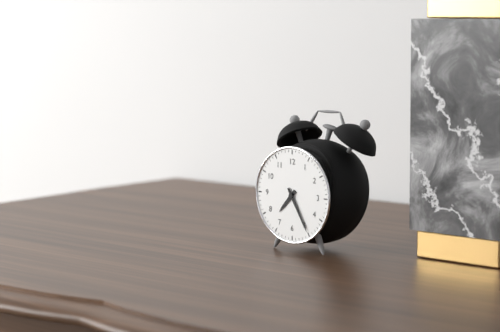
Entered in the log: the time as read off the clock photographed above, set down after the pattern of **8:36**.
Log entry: **7:25**
